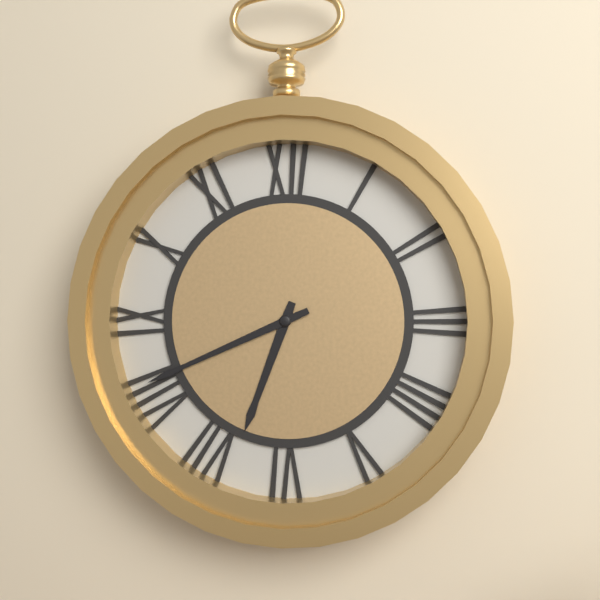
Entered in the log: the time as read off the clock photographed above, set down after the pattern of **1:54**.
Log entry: **6:41**
